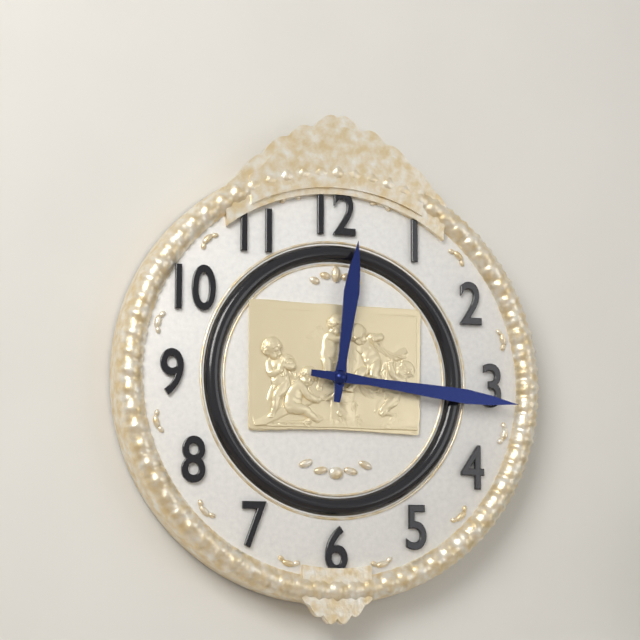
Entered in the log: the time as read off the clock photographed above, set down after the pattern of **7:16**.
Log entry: **12:16**
